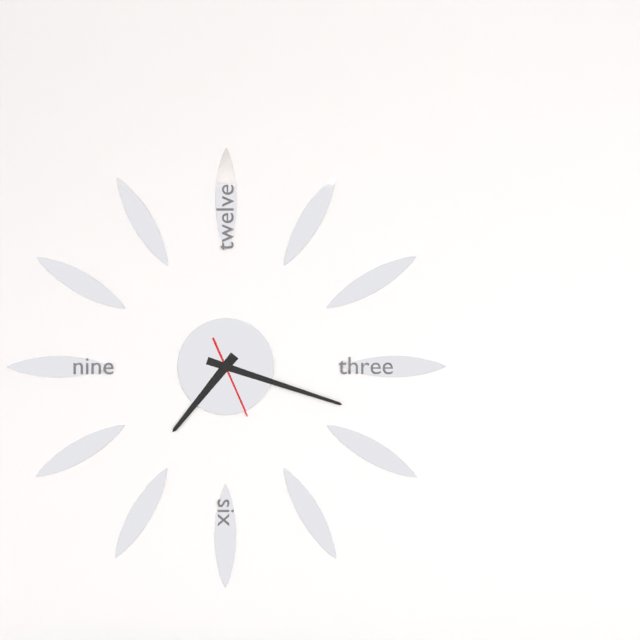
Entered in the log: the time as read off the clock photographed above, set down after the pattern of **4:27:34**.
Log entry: **7:18:26**
